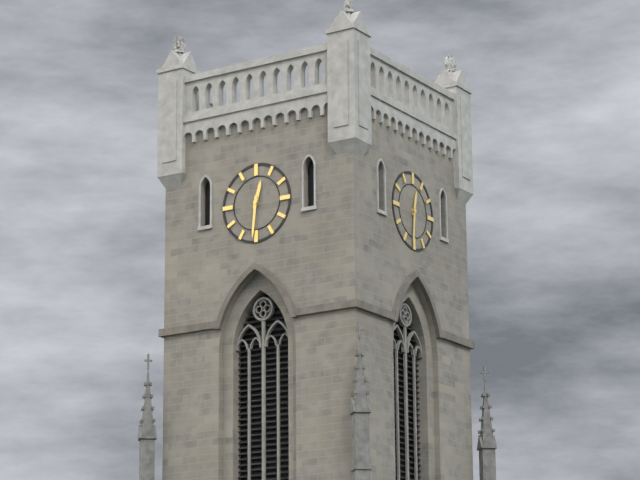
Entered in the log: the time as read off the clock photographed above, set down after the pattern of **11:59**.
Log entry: **12:31**
